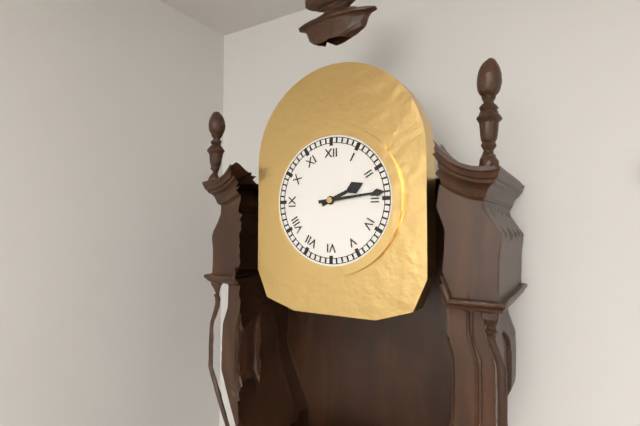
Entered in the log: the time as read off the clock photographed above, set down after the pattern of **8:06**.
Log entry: **2:14**
